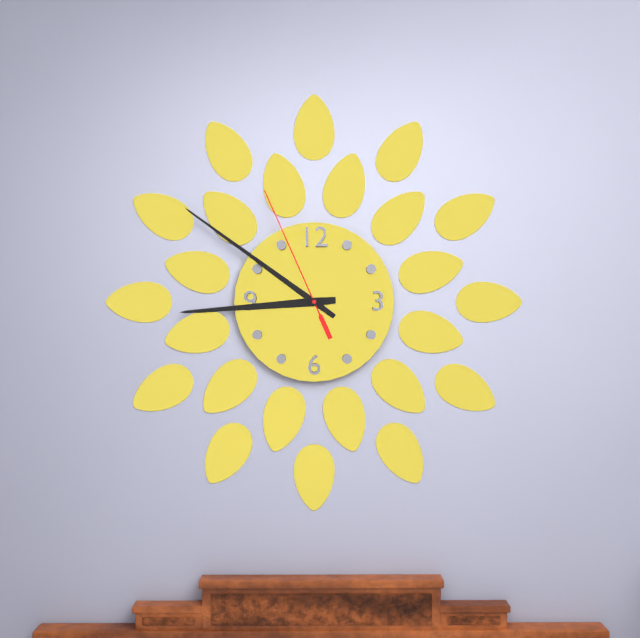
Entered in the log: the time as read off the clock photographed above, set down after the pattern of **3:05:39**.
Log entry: **8:51:56**
